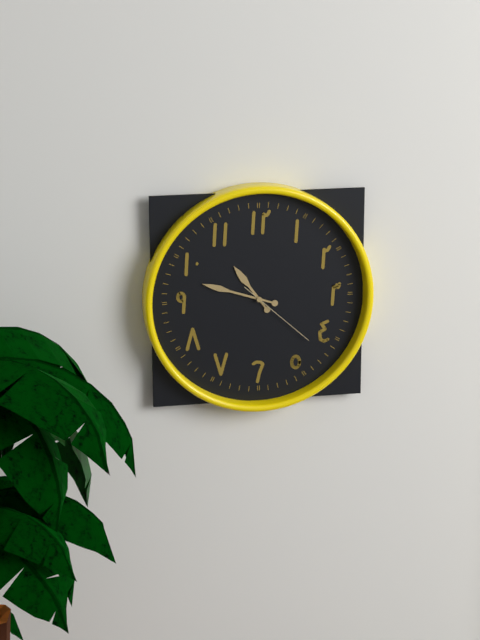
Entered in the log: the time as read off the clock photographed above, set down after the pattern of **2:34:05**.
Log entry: **10:48:22**
